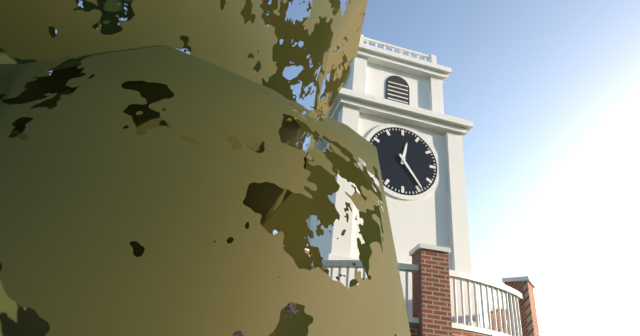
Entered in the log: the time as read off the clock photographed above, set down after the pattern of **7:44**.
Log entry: **12:24**
